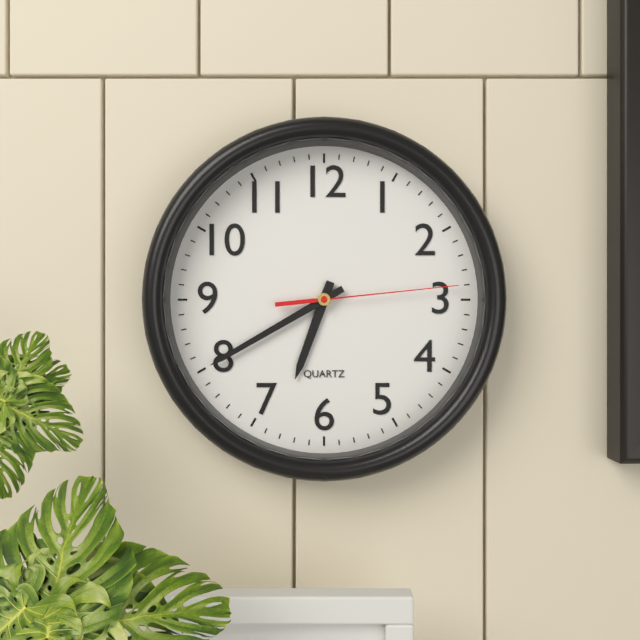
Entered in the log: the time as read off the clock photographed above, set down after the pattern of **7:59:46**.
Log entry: **6:40:14**
